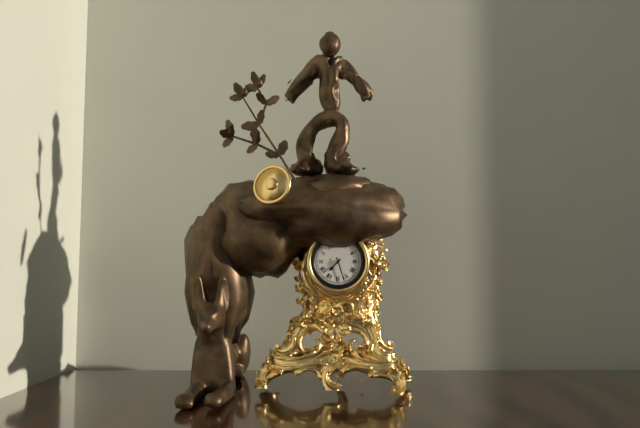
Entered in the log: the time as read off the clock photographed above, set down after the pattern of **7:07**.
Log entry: **7:27**
